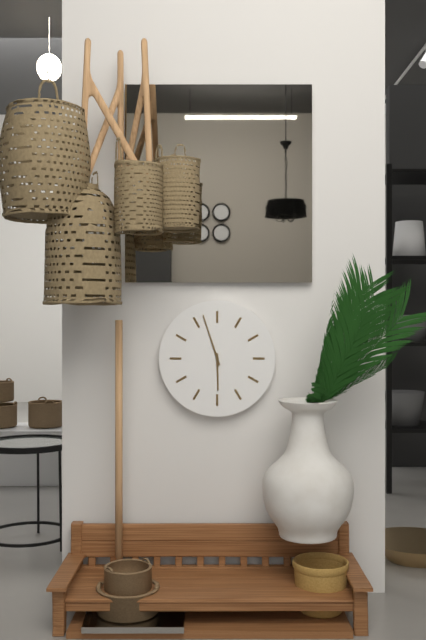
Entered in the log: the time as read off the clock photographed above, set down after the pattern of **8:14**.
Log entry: **5:57**
